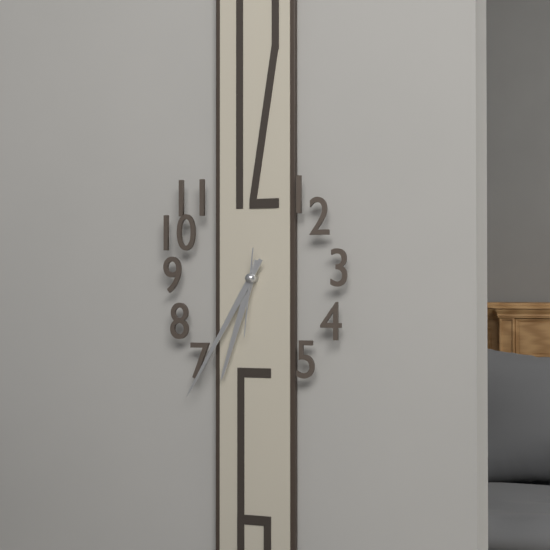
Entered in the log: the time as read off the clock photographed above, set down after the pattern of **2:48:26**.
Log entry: **6:35:31**
